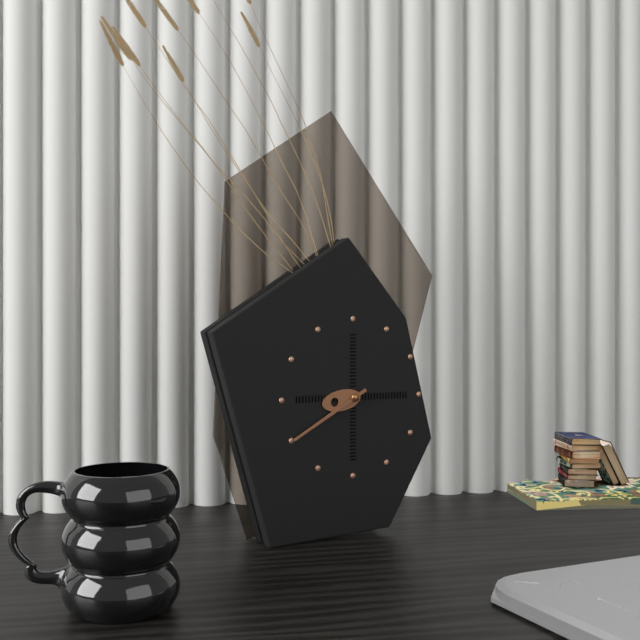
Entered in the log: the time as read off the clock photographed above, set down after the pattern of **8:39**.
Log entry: **8:40**
